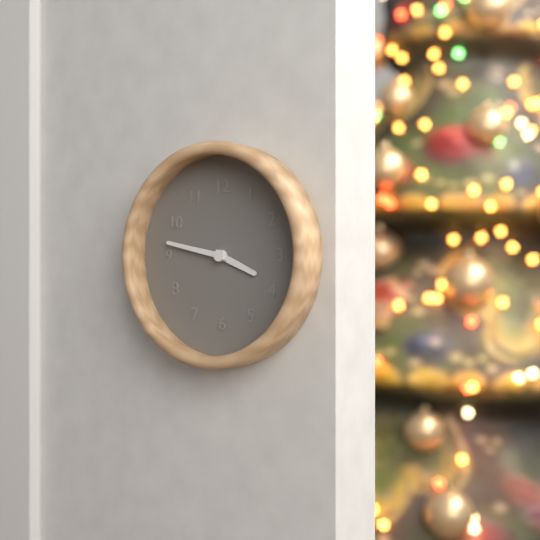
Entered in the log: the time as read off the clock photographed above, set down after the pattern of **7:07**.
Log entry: **3:47**
